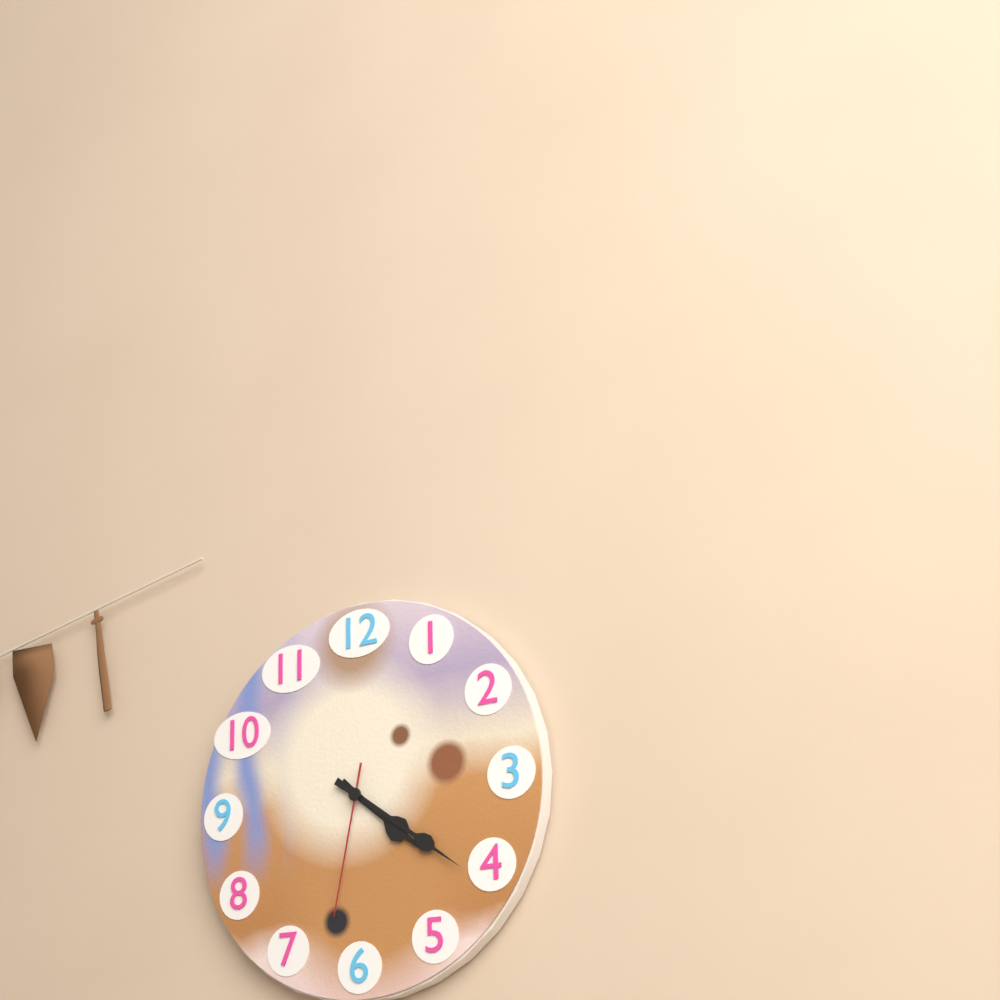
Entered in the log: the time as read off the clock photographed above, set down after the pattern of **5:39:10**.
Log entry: **4:21:32**
